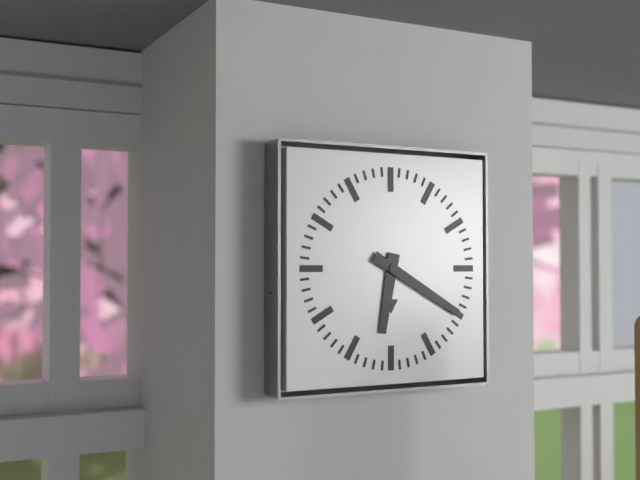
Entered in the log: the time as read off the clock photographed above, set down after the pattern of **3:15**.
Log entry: **6:20**
